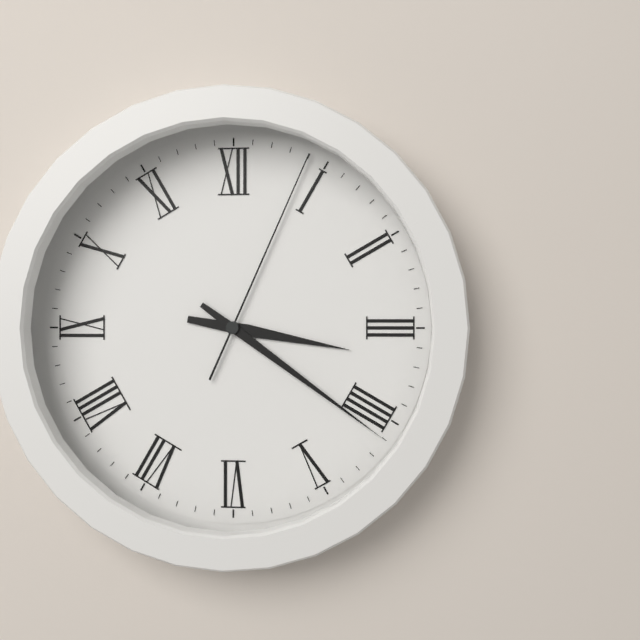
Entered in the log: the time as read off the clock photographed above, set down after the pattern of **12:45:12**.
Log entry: **3:21:04**
